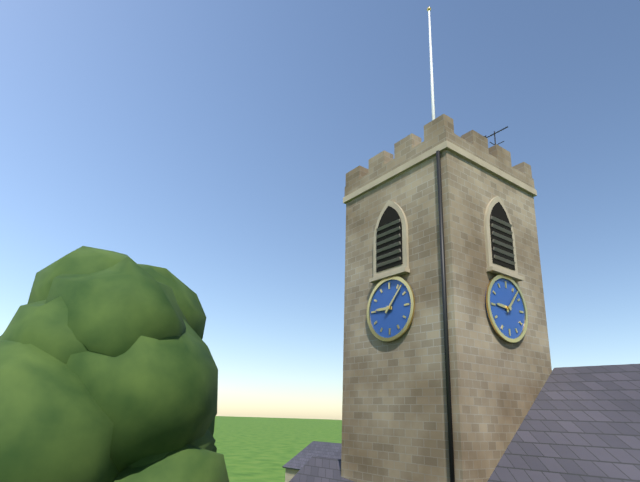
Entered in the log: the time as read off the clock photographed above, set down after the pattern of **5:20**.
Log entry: **9:07**
